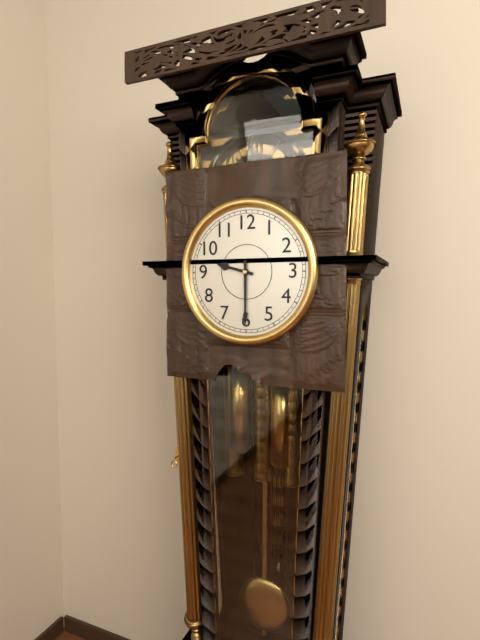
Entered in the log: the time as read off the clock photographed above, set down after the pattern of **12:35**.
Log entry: **9:30**
